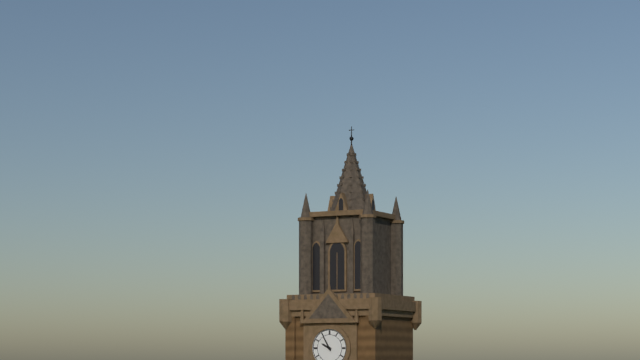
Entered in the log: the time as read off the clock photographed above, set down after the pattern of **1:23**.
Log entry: **9:55**
